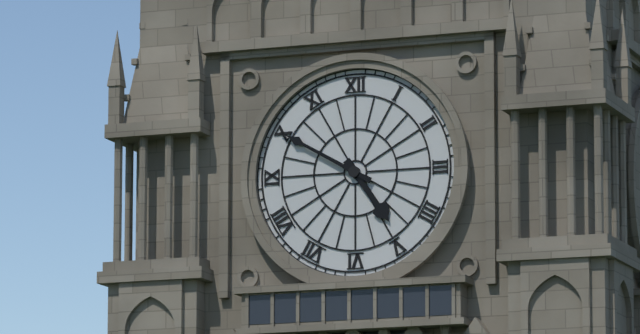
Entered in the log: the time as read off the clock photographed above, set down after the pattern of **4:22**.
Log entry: **4:50**
